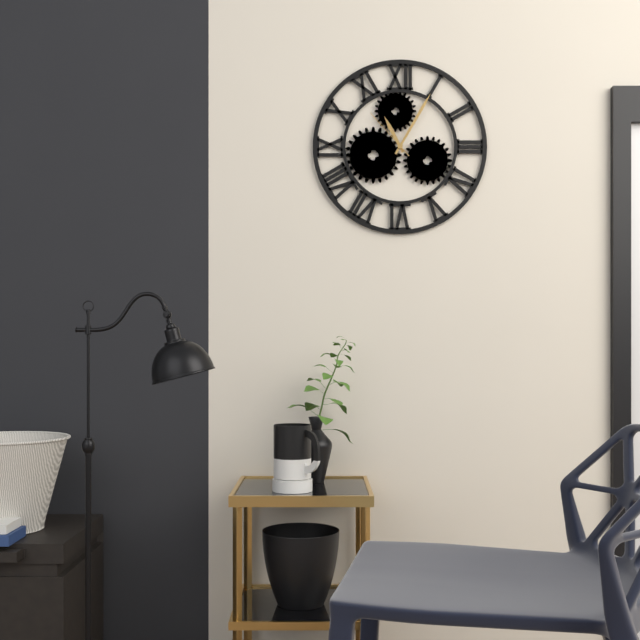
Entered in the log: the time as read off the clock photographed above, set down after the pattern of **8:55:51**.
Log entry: **11:05:53**
